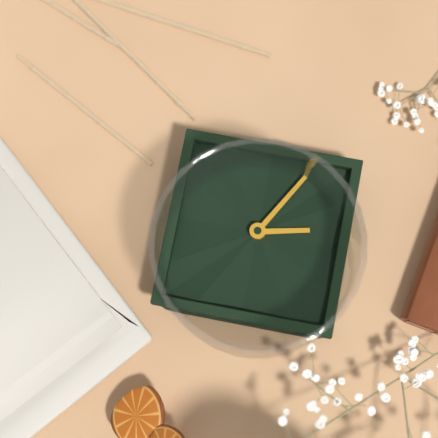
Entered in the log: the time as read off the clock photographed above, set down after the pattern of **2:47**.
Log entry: **8:35**
